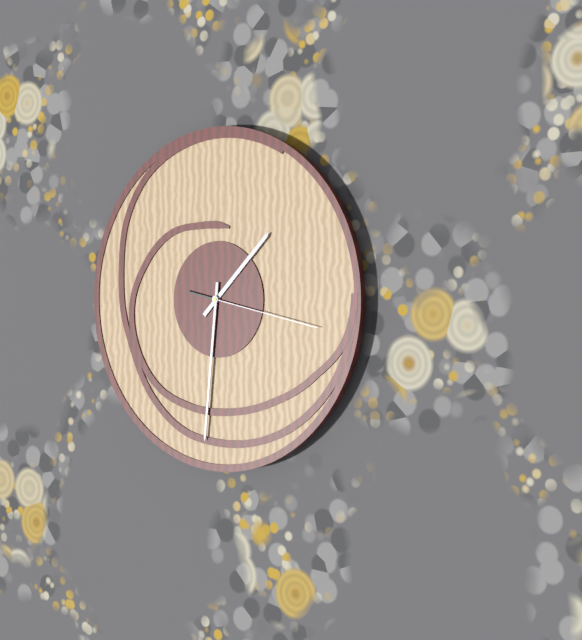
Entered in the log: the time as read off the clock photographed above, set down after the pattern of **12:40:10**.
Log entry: **1:31:17**
